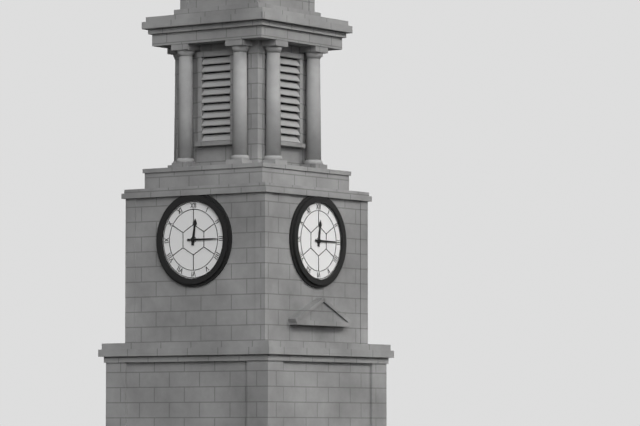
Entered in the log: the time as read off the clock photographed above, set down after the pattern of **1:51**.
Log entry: **12:15**
